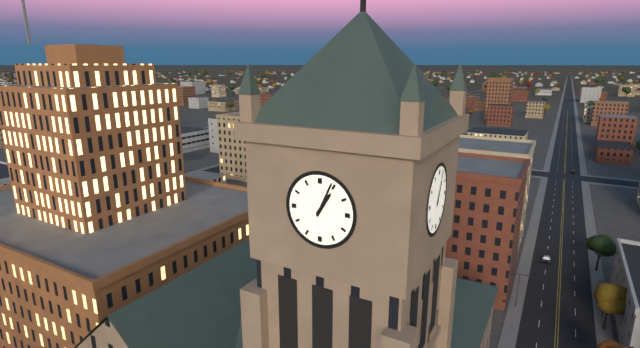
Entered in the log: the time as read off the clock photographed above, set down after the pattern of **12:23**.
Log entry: **1:04**
